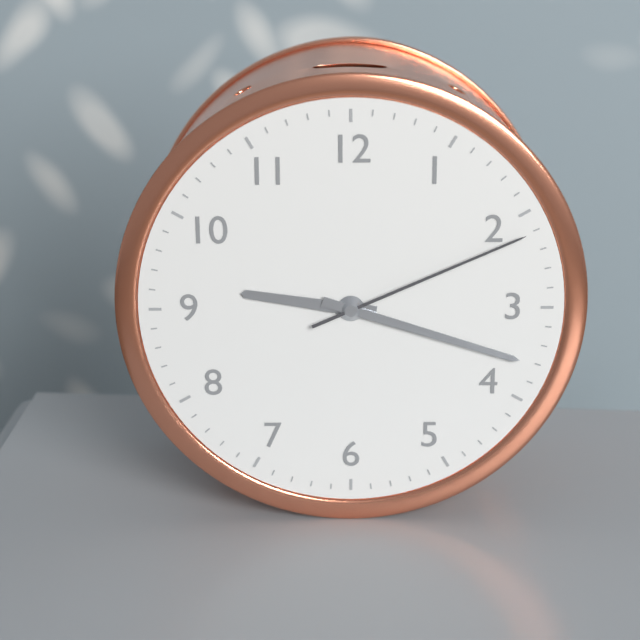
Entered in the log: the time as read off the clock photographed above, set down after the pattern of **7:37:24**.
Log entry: **9:18:11**
